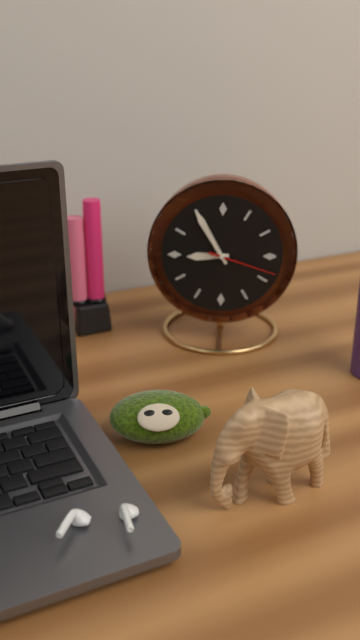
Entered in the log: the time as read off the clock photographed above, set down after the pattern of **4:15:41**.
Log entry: **8:55:18**
